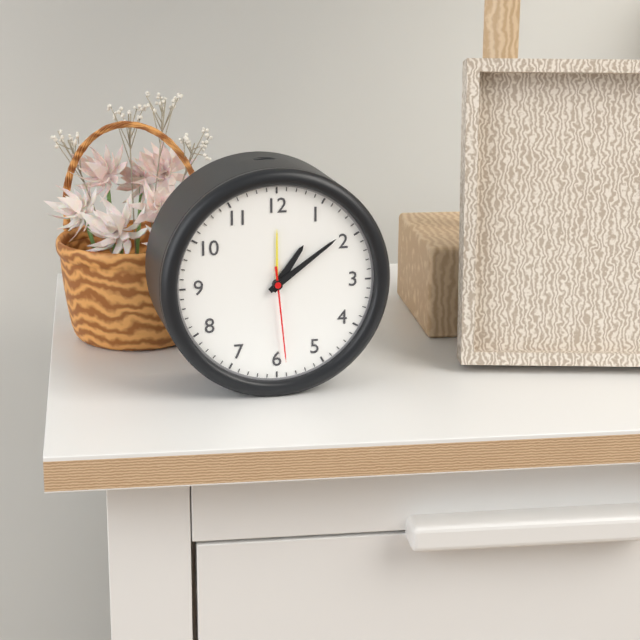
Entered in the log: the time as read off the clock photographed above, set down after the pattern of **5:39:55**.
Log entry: **1:09:29**
